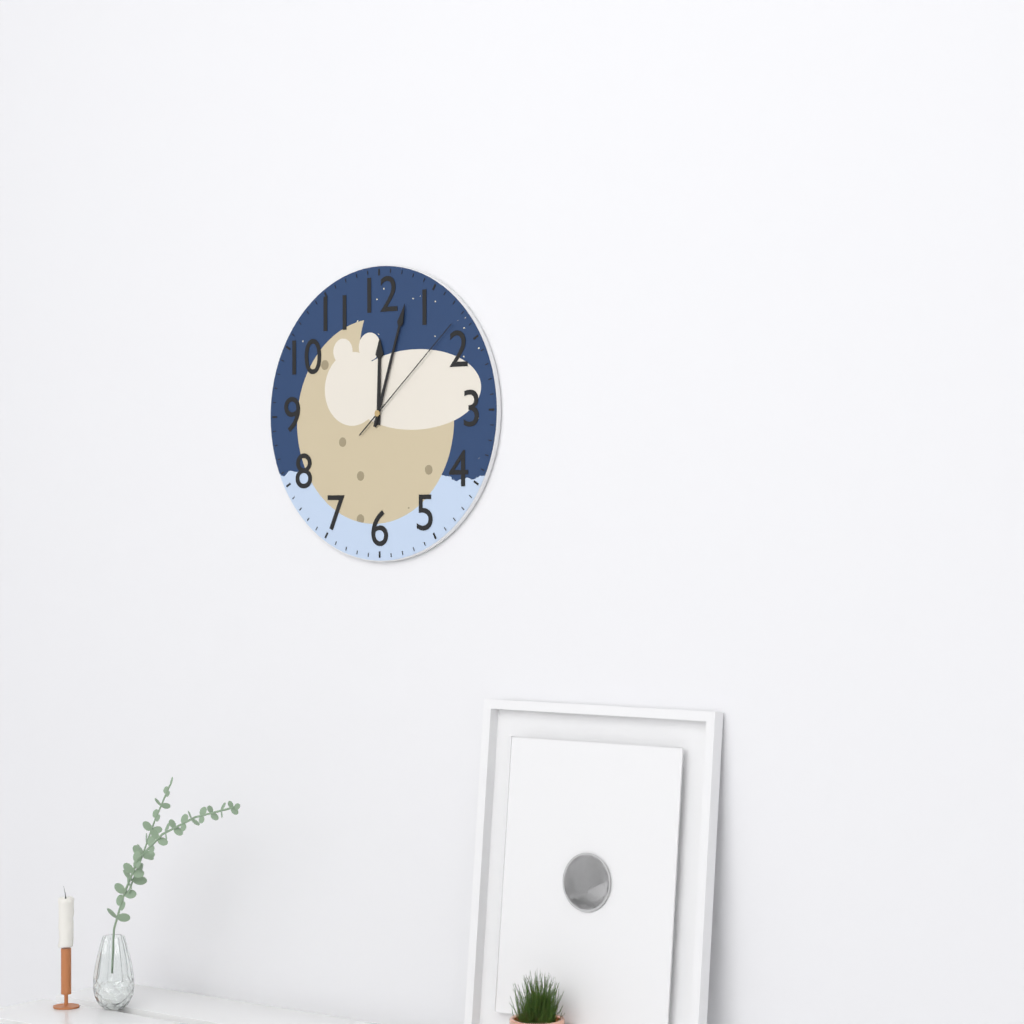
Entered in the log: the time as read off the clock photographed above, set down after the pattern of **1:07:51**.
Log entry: **12:03:08**
